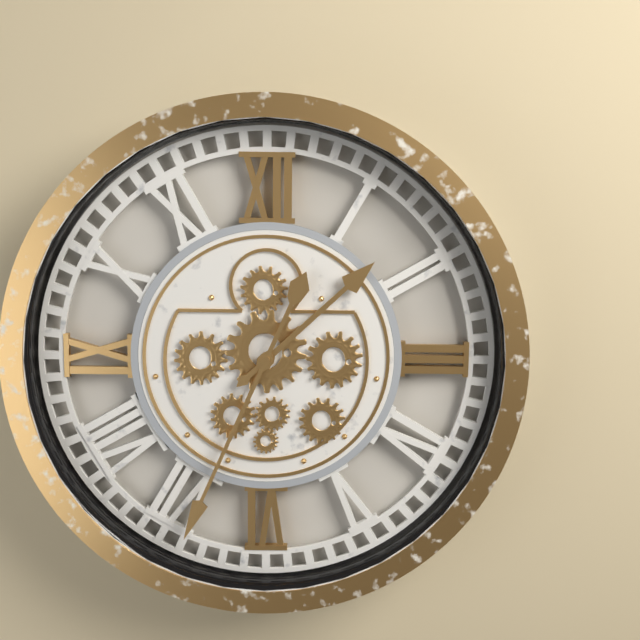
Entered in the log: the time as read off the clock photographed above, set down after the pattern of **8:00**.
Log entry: **1:34**
